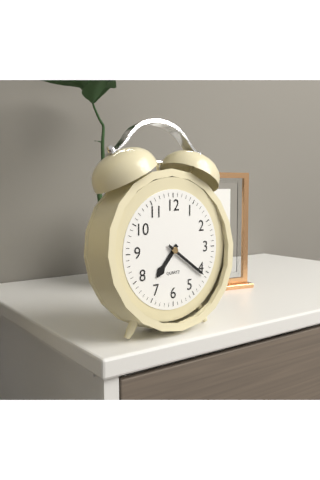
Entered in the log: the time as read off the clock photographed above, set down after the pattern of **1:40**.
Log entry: **7:21**
